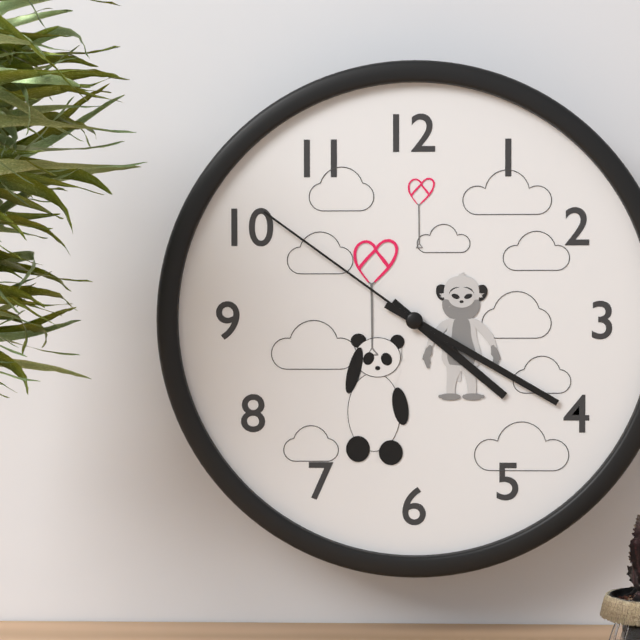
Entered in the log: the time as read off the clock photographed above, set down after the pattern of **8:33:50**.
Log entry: **4:20:51**
